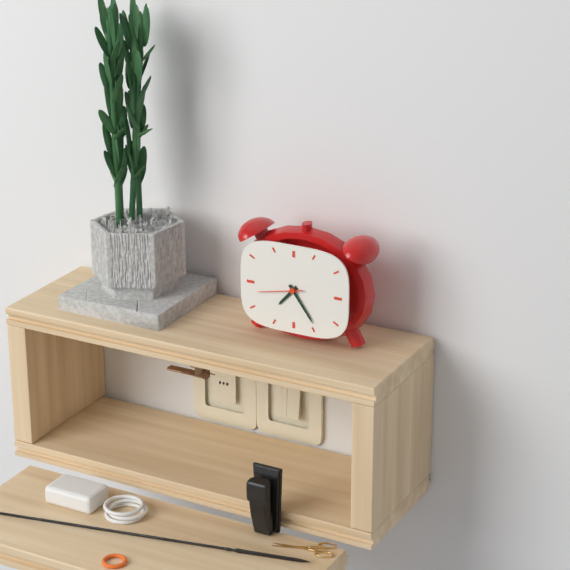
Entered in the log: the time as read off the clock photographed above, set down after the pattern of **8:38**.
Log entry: **7:24**
